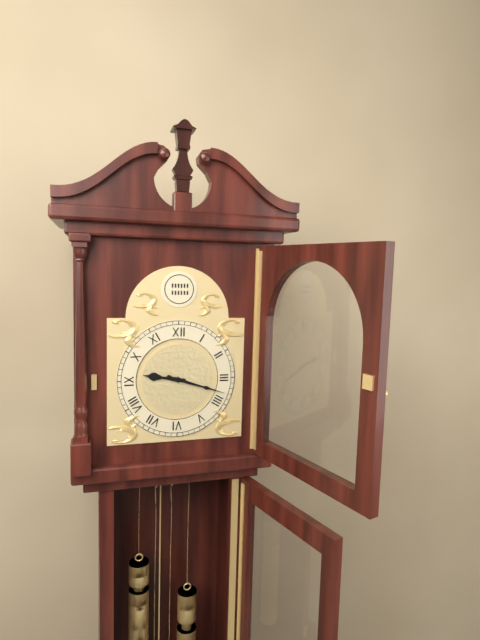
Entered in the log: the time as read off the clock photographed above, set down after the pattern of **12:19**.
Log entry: **9:18**
